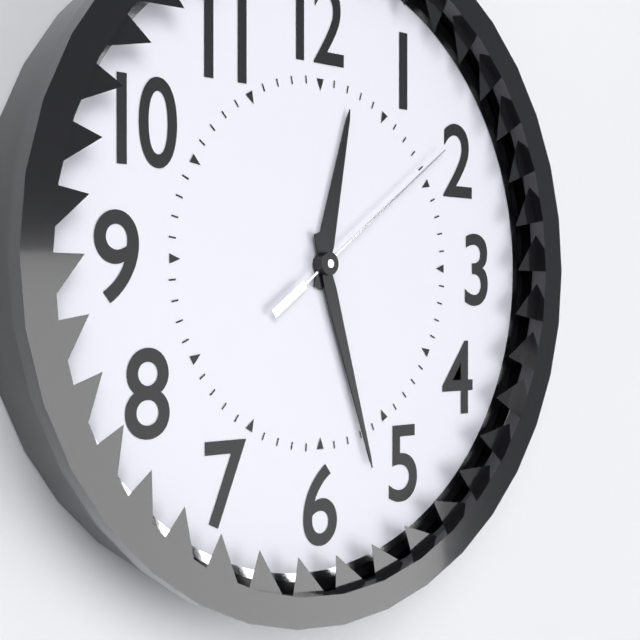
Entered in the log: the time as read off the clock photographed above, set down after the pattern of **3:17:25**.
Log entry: **12:27:09**
